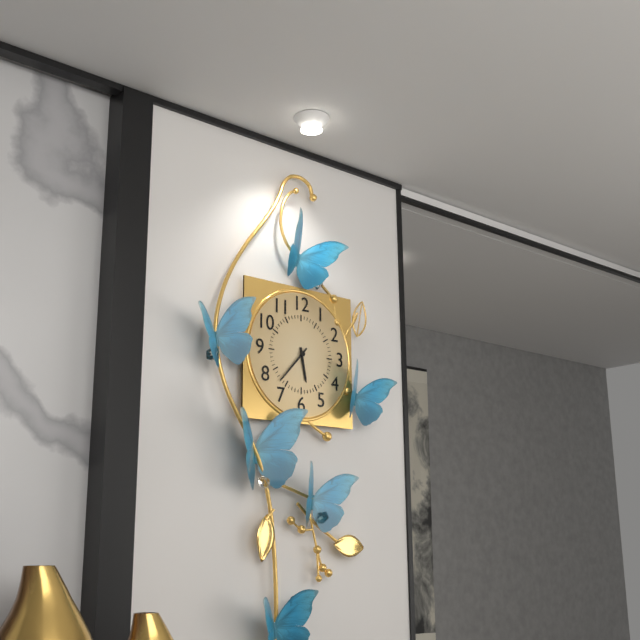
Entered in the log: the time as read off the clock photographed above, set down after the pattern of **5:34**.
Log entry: **5:37**
